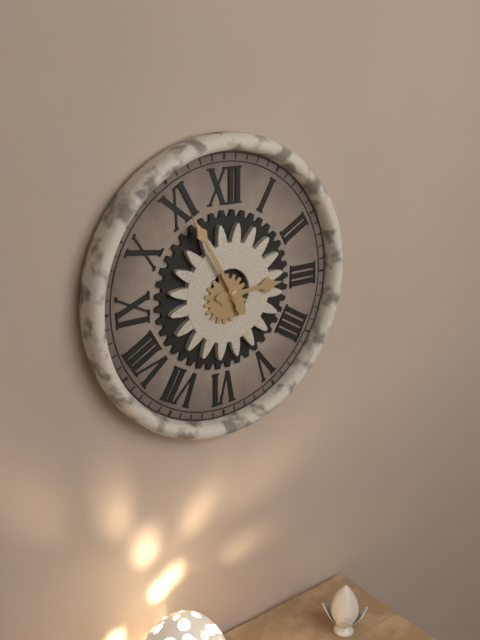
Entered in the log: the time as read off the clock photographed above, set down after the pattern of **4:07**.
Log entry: **2:55**
